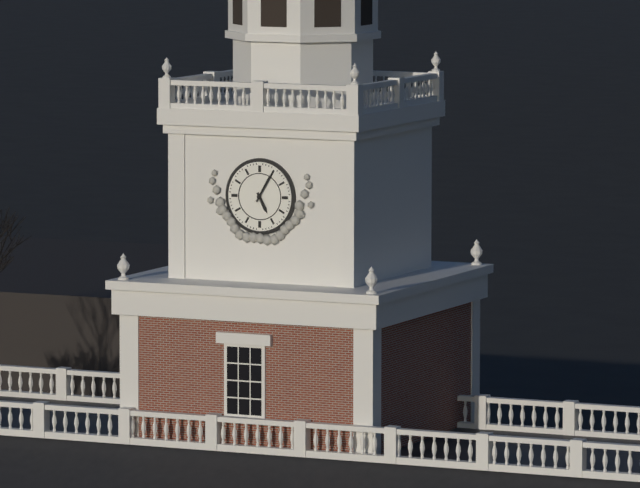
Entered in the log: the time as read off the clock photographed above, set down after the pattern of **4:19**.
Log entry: **5:05**
